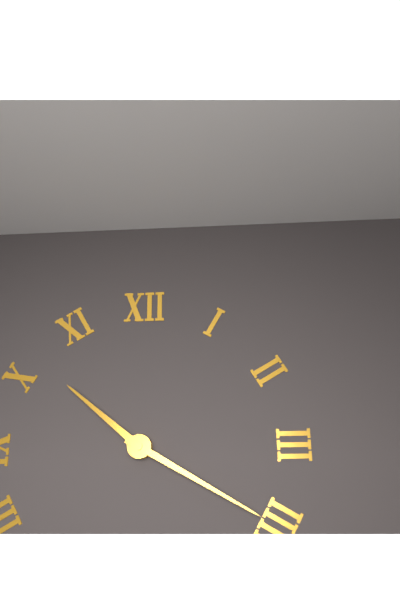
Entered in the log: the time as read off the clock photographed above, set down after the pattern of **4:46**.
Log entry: **10:20**
